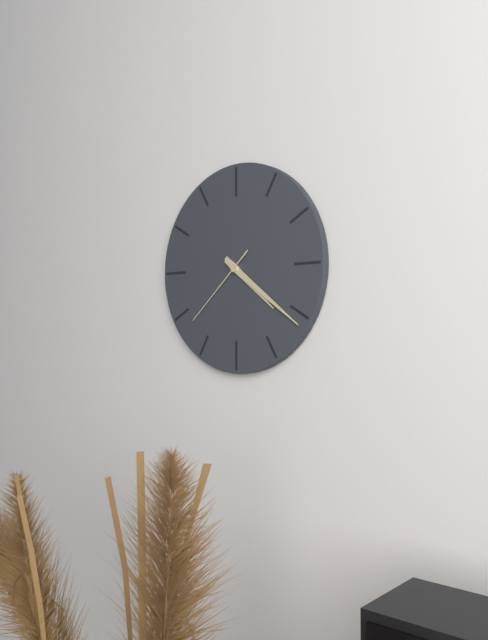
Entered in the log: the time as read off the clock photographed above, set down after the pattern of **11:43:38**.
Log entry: **4:21:38**
